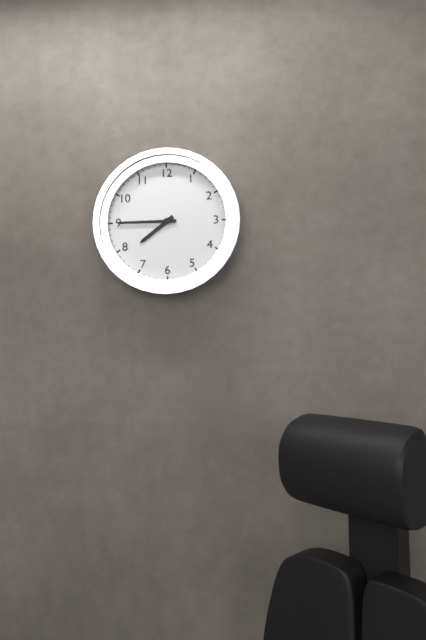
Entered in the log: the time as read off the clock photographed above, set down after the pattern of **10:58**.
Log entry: **7:45**
